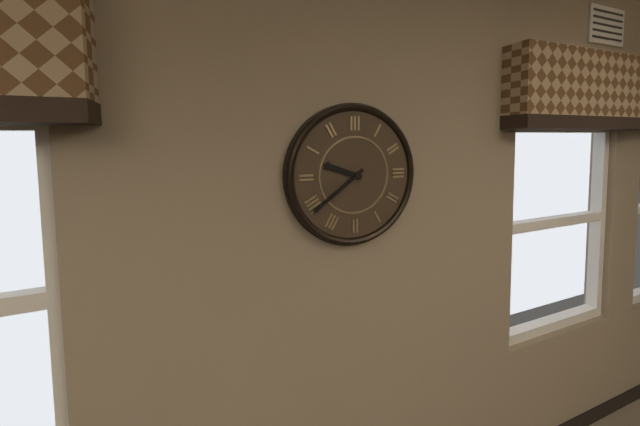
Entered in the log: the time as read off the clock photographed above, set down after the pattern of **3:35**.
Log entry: **9:39**
